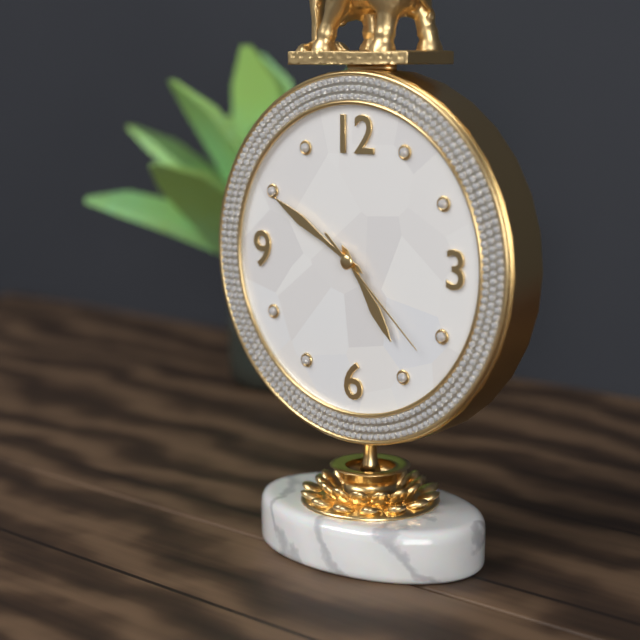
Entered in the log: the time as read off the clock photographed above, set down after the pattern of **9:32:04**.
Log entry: **4:50:22**
